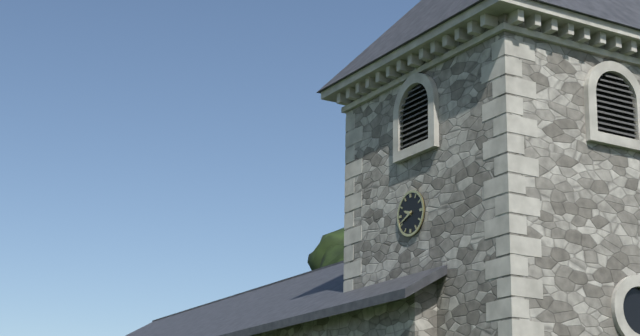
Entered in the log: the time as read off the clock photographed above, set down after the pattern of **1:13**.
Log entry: **9:41**
